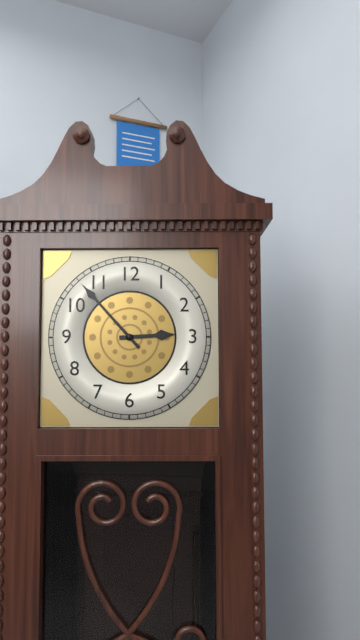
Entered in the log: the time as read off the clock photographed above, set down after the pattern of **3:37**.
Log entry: **2:53**
